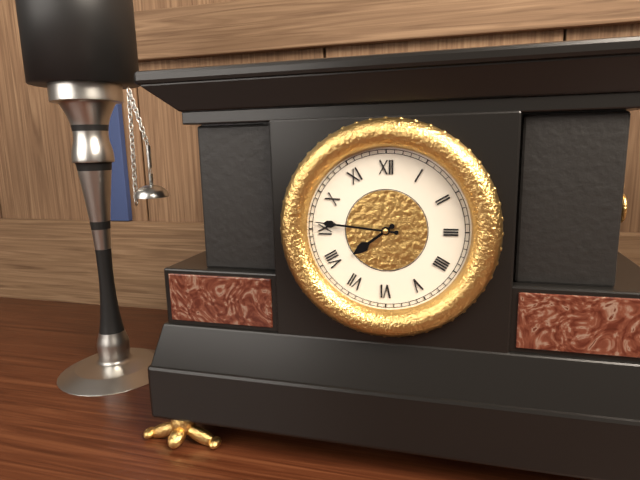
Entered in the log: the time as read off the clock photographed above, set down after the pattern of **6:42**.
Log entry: **7:46**
